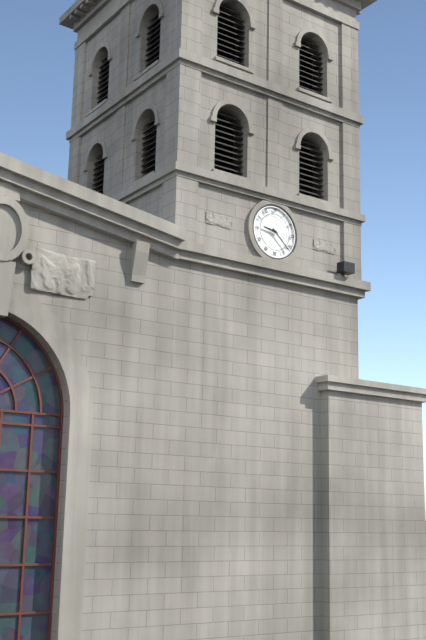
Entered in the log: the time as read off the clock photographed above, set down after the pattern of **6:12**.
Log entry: **9:22**
